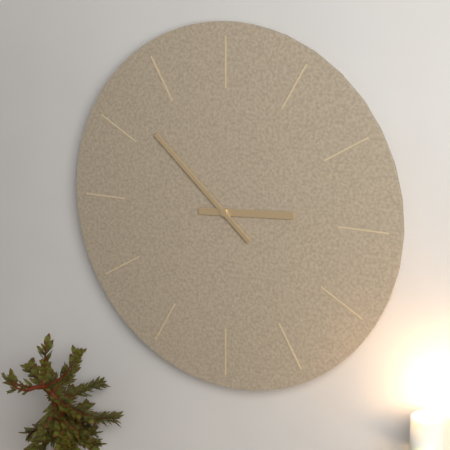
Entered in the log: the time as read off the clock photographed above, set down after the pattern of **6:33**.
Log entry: **2:52**
